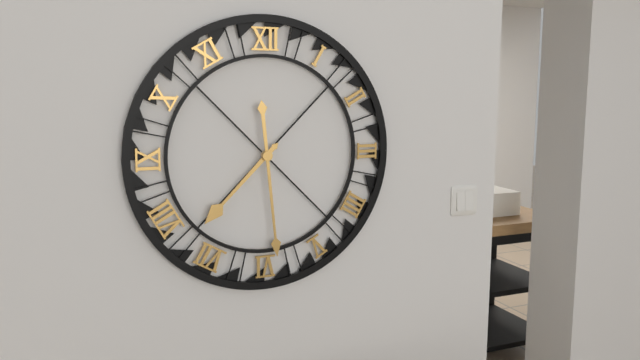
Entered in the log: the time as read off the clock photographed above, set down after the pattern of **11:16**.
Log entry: **7:29**
